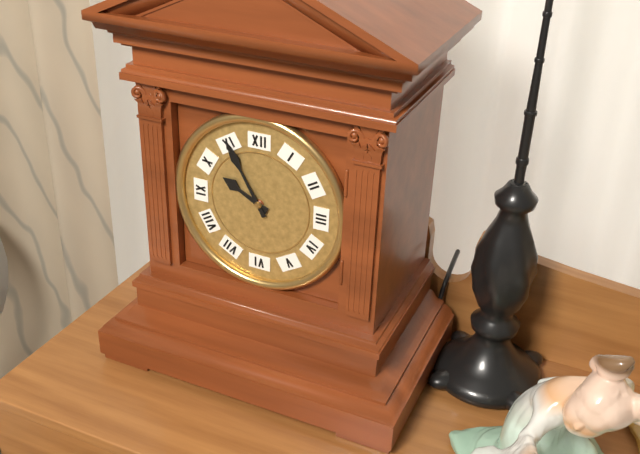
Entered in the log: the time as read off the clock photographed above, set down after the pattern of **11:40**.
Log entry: **9:55**
